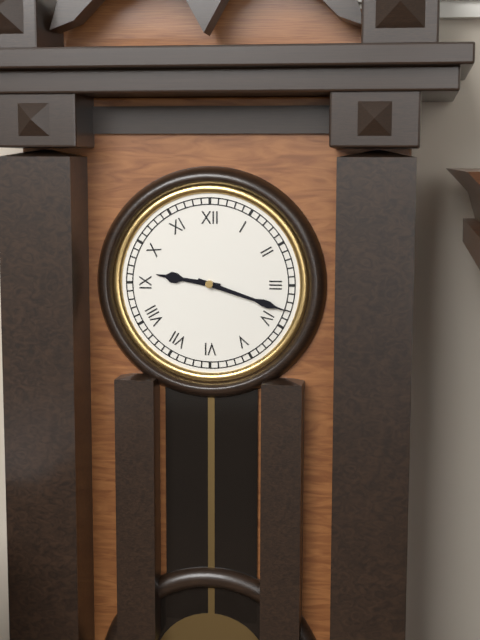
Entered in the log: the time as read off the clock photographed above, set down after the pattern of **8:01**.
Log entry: **9:18**
